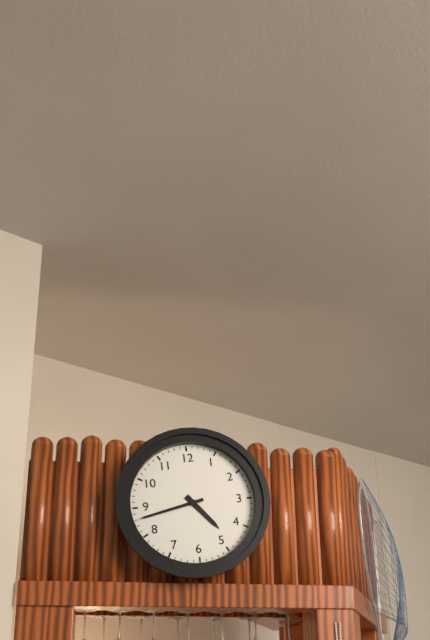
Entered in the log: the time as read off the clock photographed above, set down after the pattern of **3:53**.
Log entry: **4:43**
